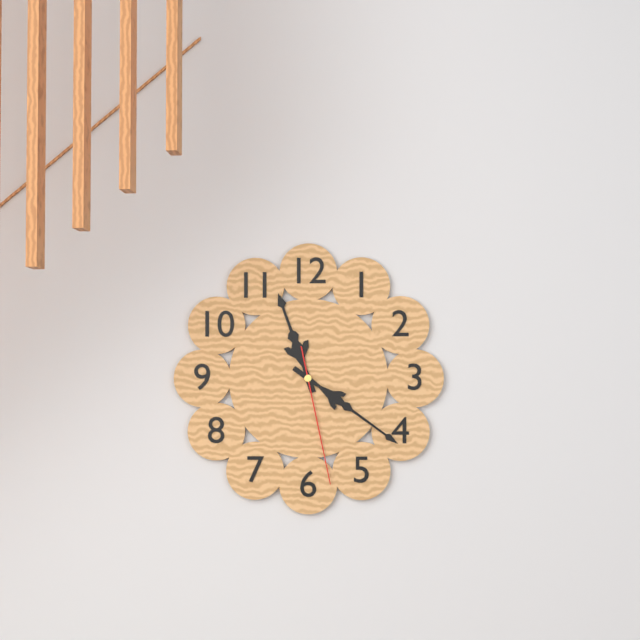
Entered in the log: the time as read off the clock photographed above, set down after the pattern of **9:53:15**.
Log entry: **11:21:28**
